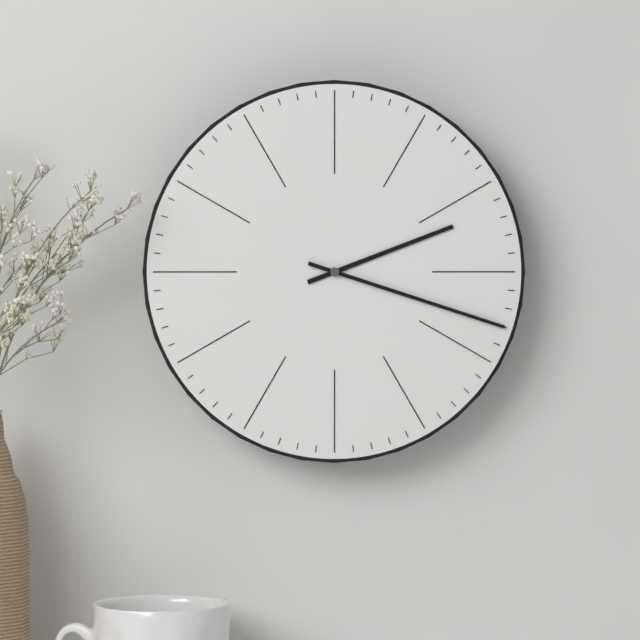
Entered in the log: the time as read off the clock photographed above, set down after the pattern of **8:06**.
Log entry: **2:18**
